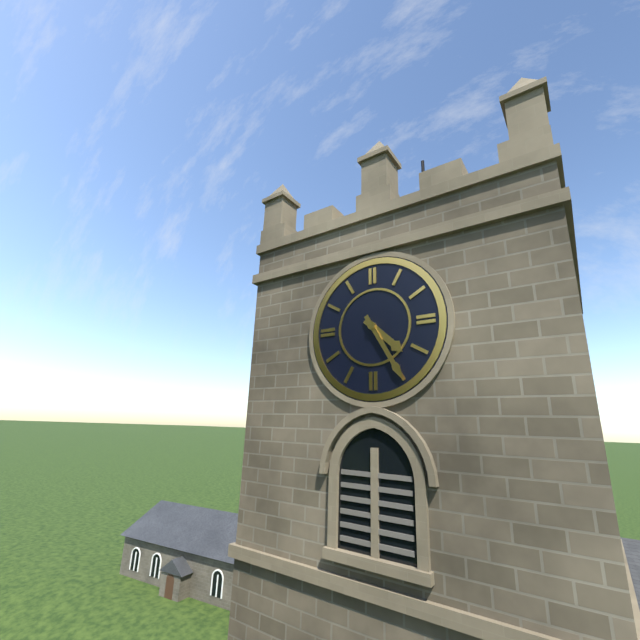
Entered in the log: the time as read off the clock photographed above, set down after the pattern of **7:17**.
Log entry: **4:25**
